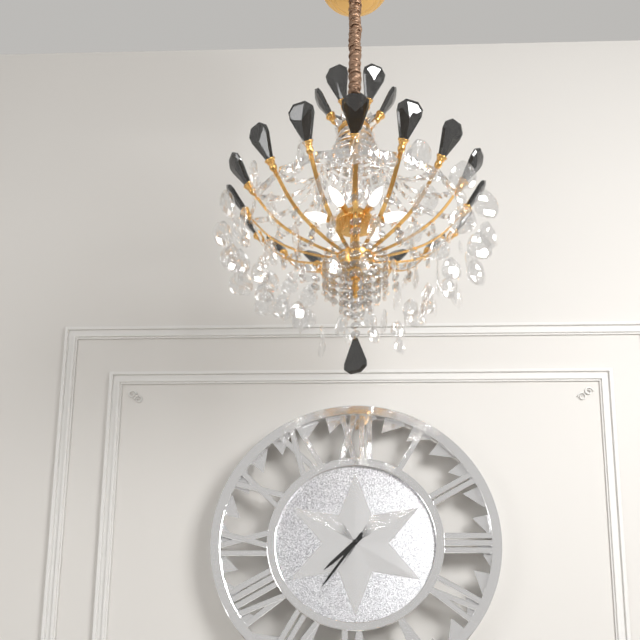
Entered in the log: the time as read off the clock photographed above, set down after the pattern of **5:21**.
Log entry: **7:36**
